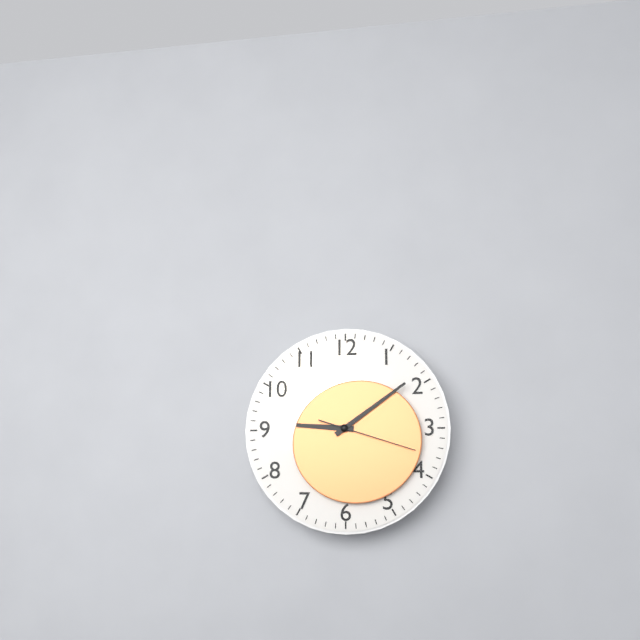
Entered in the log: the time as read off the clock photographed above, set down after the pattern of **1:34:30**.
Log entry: **9:09:18**
